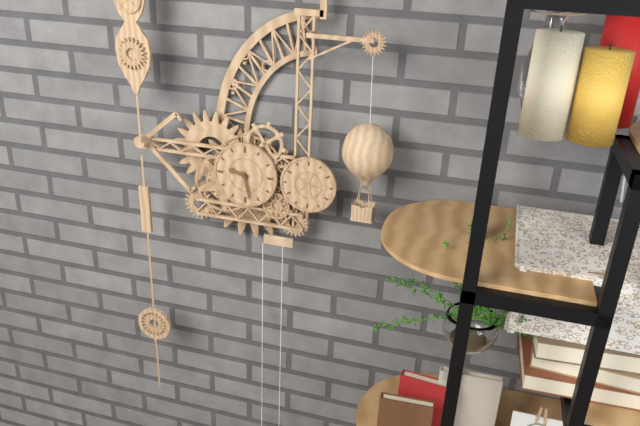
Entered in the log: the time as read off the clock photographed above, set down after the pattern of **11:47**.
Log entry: **9:28**
